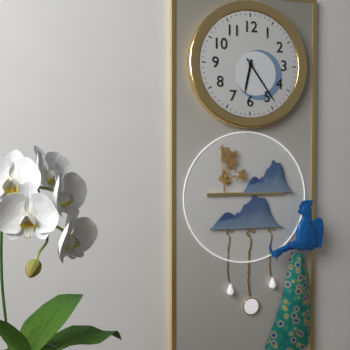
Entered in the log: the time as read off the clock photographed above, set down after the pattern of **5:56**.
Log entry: **6:24**
